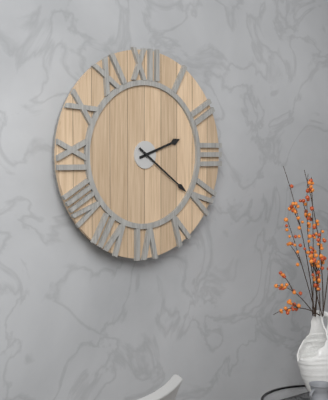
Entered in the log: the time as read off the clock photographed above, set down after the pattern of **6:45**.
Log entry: **2:21**
